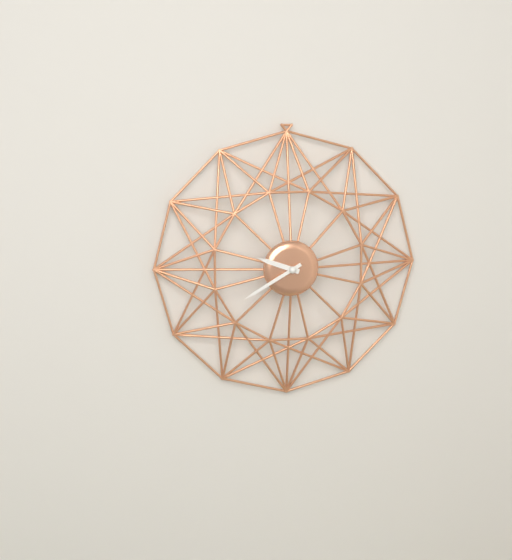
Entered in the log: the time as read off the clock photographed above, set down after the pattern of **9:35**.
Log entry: **9:40**
